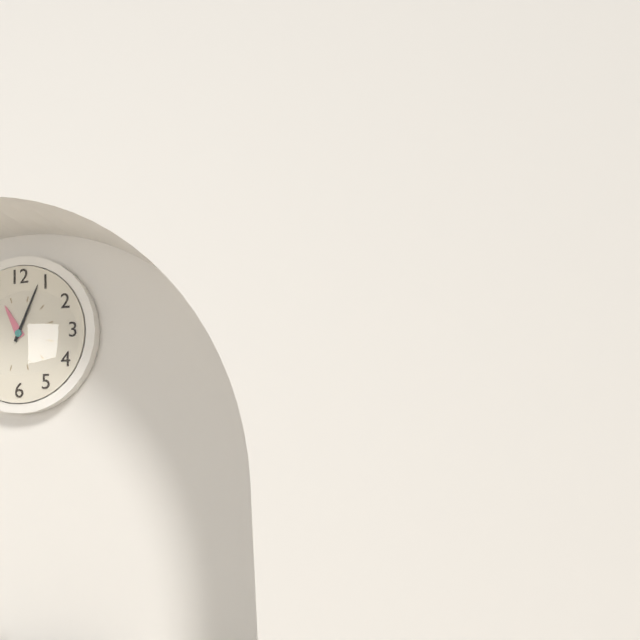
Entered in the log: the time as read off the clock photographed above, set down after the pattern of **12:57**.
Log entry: **11:04**
